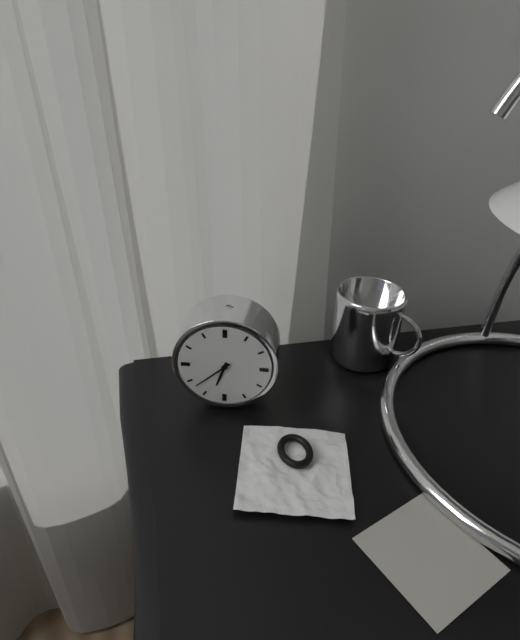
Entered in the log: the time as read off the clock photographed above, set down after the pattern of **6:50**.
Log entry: **6:38**
